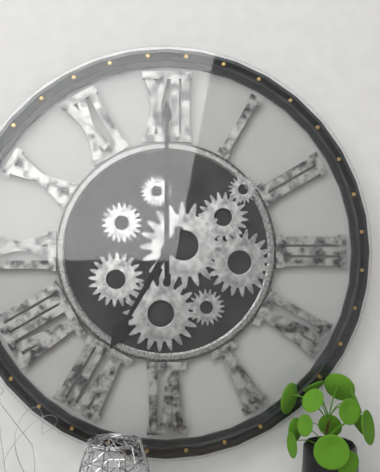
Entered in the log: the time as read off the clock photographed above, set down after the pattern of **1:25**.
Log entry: **7:00**
